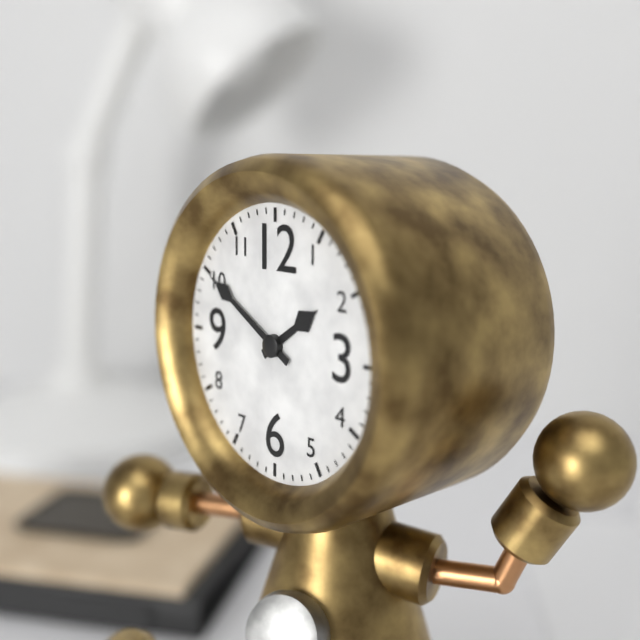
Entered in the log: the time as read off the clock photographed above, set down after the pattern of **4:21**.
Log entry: **1:50**
